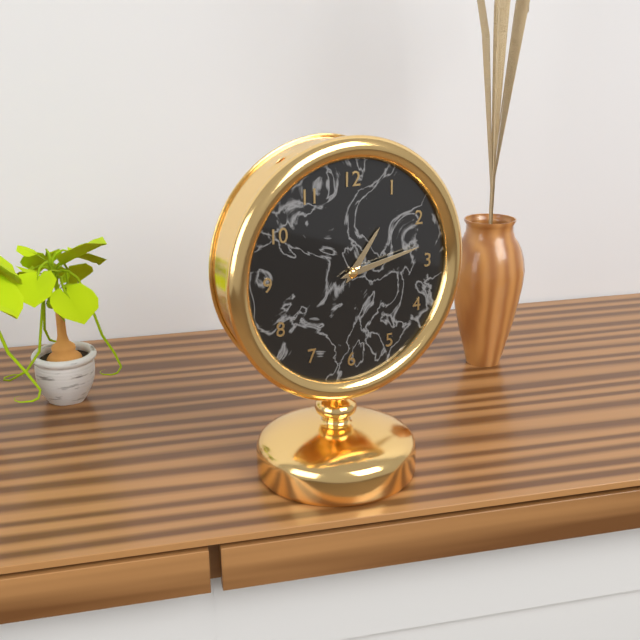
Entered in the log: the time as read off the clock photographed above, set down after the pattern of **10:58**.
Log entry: **1:13**
